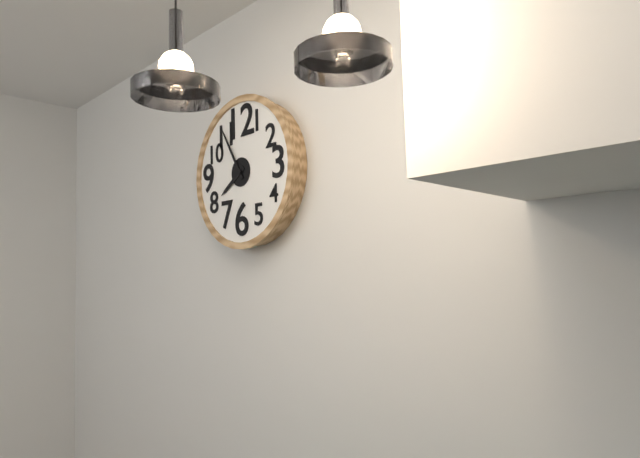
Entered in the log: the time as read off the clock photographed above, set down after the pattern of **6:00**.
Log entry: **7:55**
